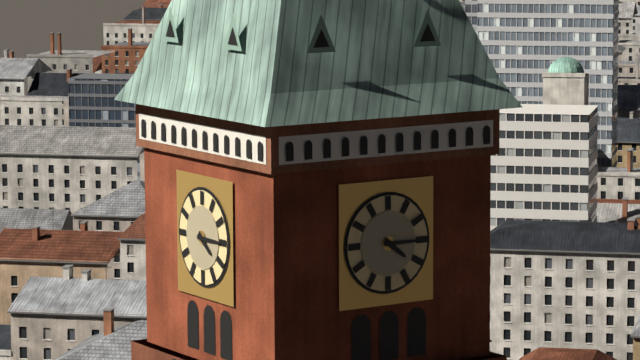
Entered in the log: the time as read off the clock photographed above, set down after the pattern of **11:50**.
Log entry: **4:15**
